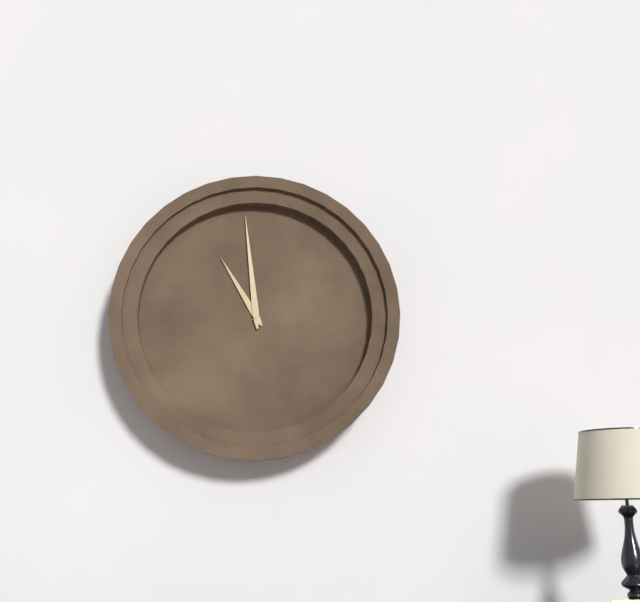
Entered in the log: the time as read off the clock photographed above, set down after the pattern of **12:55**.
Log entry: **10:59**
